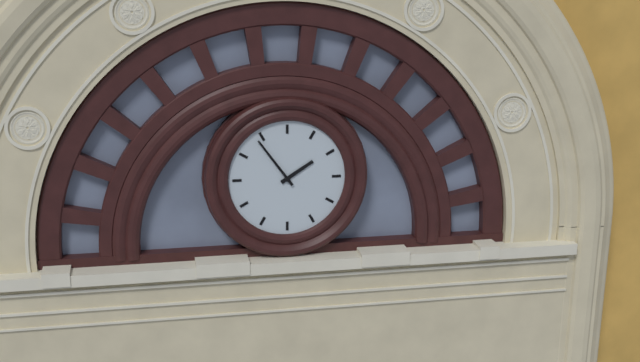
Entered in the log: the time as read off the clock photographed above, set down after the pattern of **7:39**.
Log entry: **1:54**
